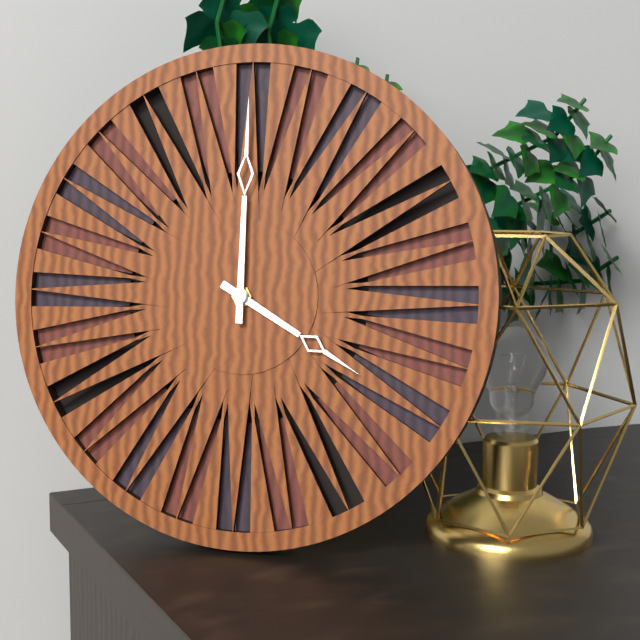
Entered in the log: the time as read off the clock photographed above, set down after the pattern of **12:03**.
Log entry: **4:00**
